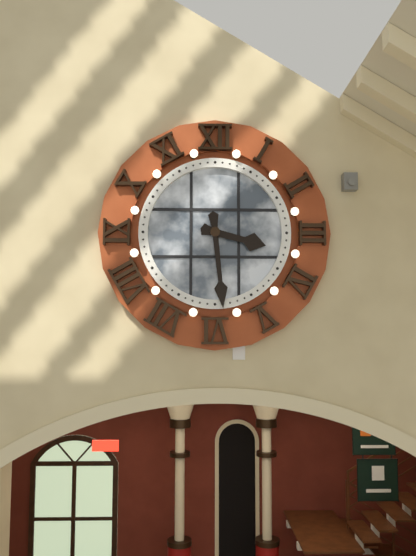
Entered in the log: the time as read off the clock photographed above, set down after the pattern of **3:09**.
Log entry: **3:29**
